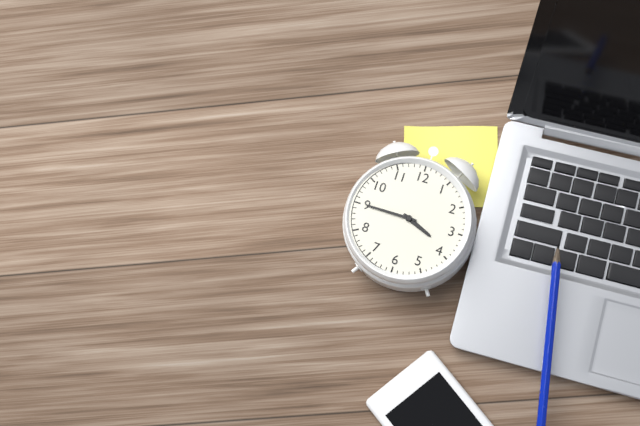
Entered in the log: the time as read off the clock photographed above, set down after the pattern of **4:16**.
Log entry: **3:45**
